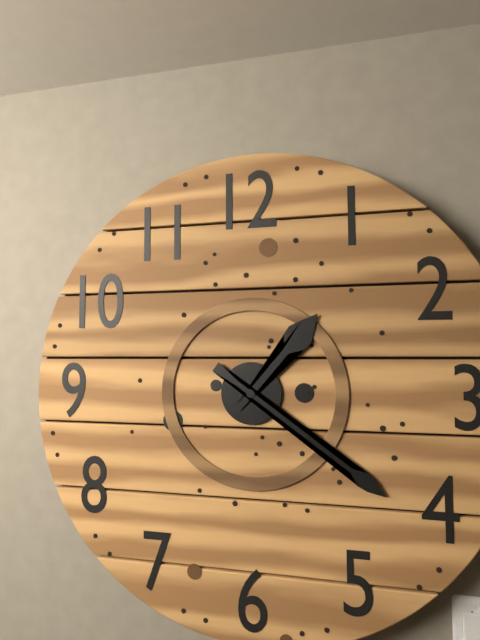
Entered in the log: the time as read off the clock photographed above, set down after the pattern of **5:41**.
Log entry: **1:21**
